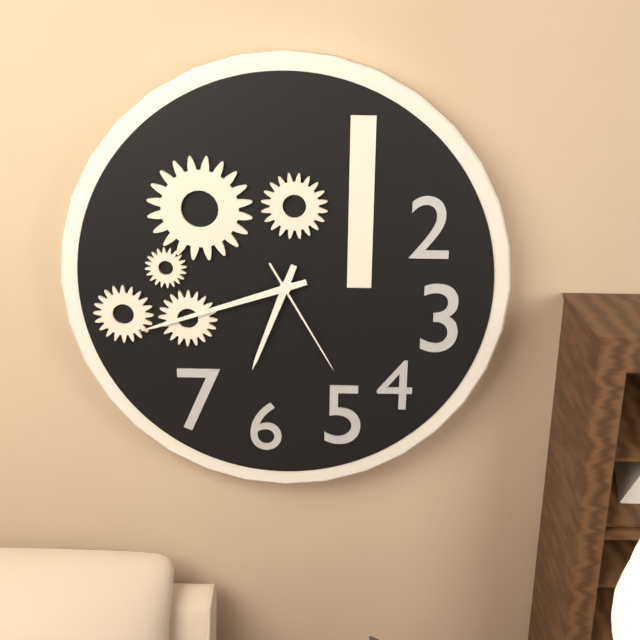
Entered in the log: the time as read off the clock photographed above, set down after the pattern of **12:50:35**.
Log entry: **6:42:25**
